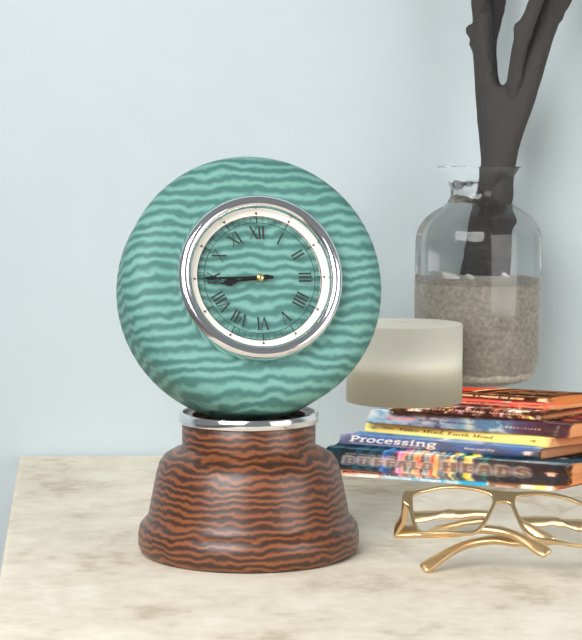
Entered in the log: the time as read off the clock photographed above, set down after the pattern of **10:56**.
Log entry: **8:45**
